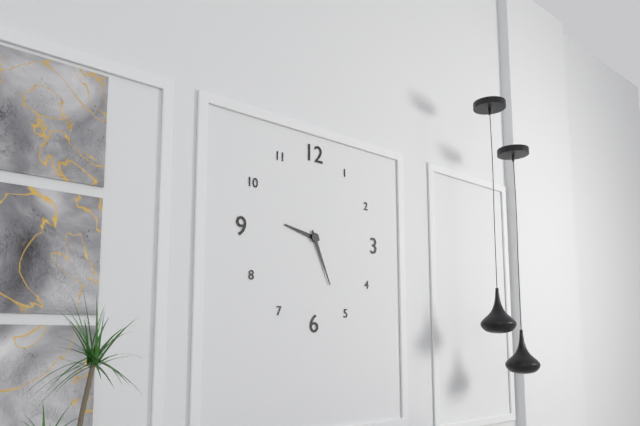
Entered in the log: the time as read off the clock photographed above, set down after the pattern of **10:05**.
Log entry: **9:26**
